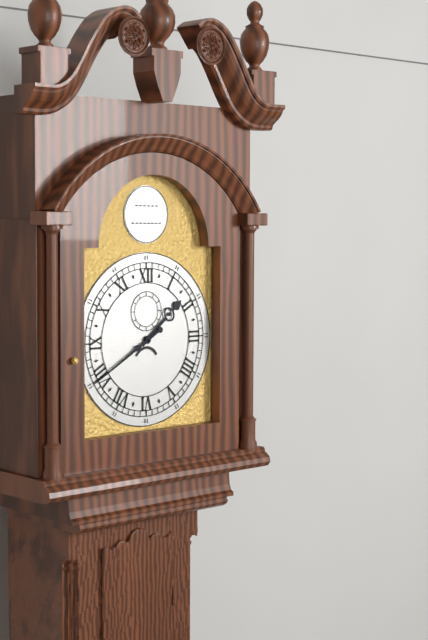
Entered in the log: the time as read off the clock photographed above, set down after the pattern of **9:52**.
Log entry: **1:40**
